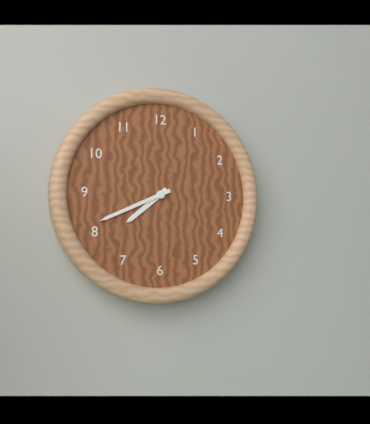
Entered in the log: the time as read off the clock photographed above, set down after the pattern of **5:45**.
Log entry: **7:41**
